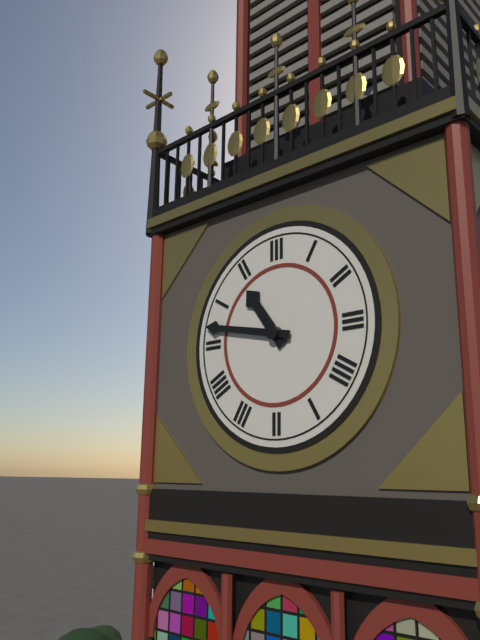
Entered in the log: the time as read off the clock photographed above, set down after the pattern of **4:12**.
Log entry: **10:47**
